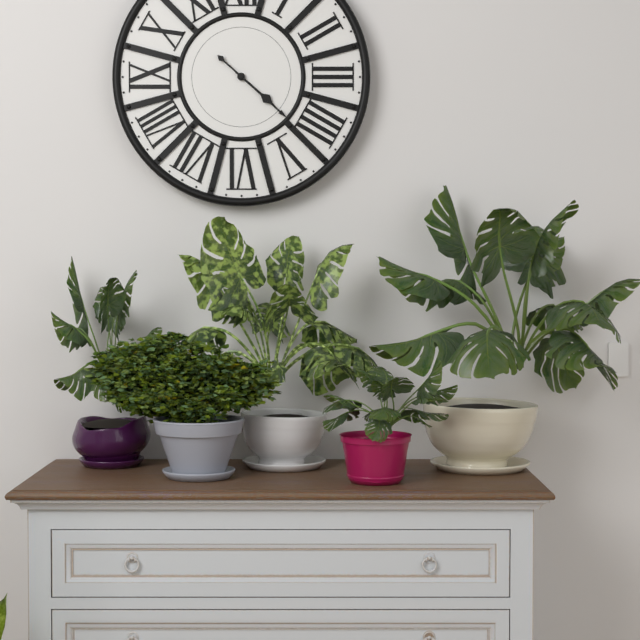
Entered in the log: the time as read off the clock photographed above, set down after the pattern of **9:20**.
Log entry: **4:22**
